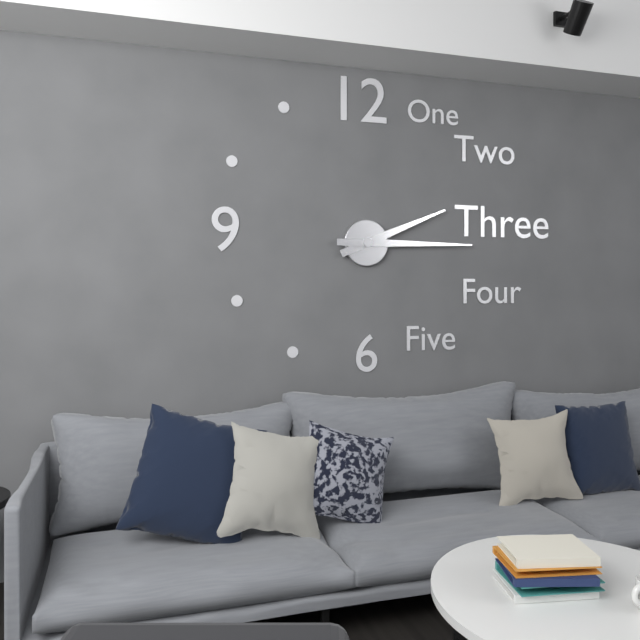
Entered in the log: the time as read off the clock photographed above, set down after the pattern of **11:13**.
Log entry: **2:15**
